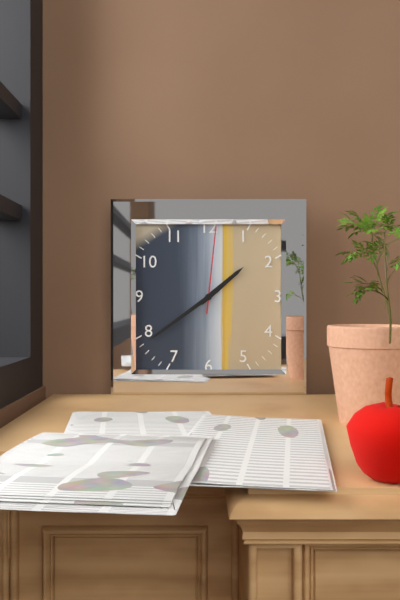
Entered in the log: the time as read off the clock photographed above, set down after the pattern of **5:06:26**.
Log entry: **1:39:01**
